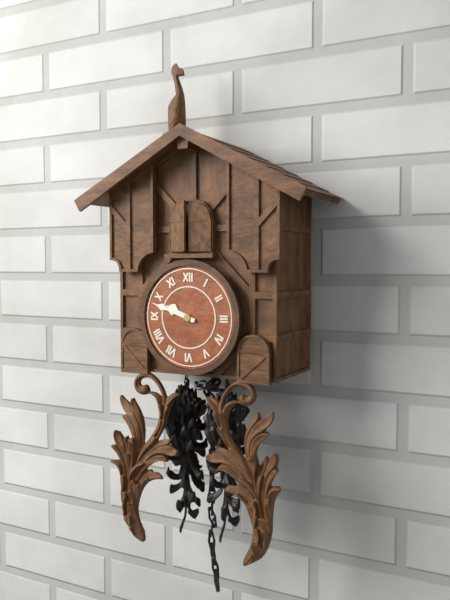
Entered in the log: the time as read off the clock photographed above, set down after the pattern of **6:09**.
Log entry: **9:48**
